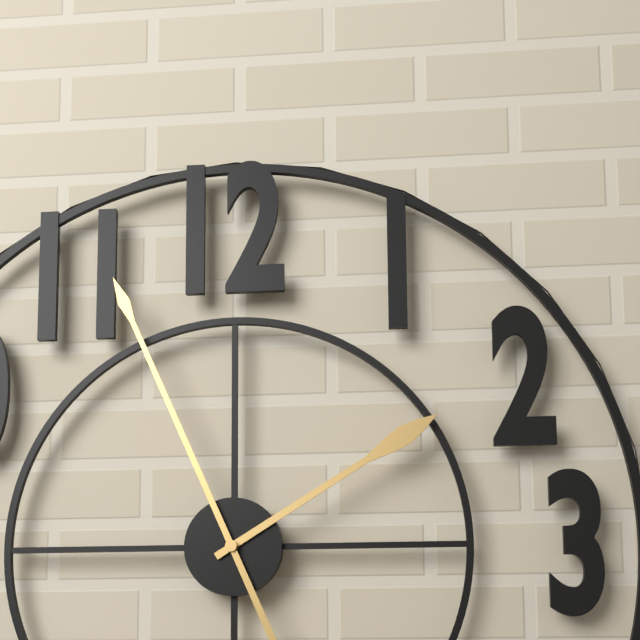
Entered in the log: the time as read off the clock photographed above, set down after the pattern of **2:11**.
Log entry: **1:56**
